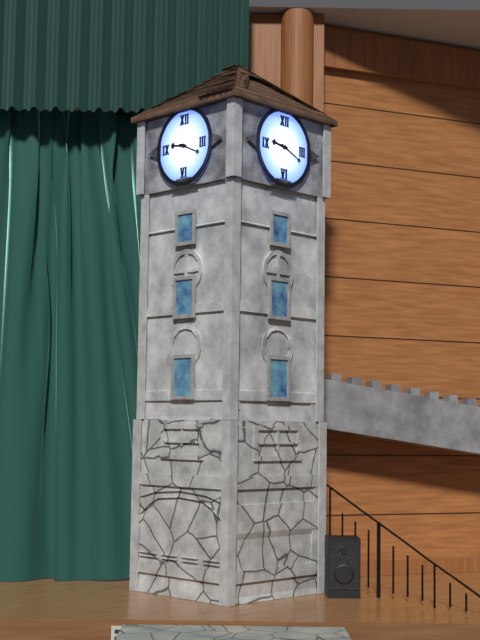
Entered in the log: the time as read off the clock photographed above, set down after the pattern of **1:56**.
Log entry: **9:19**
